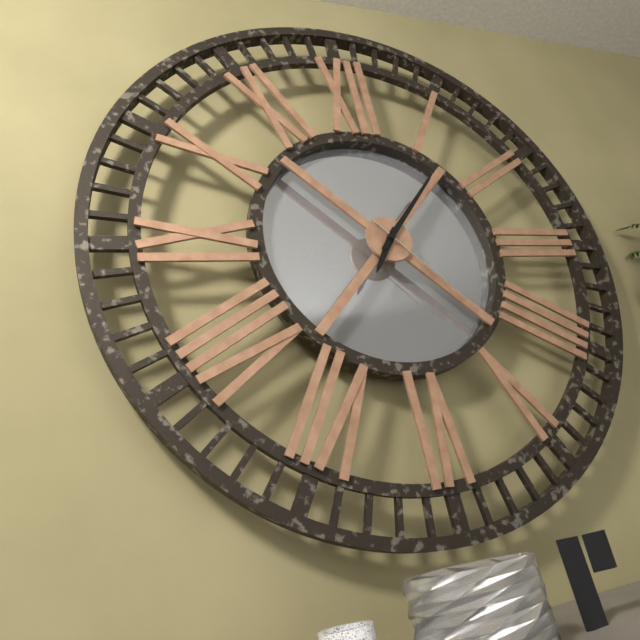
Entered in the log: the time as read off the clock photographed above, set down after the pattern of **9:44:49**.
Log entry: **7:07:23**
